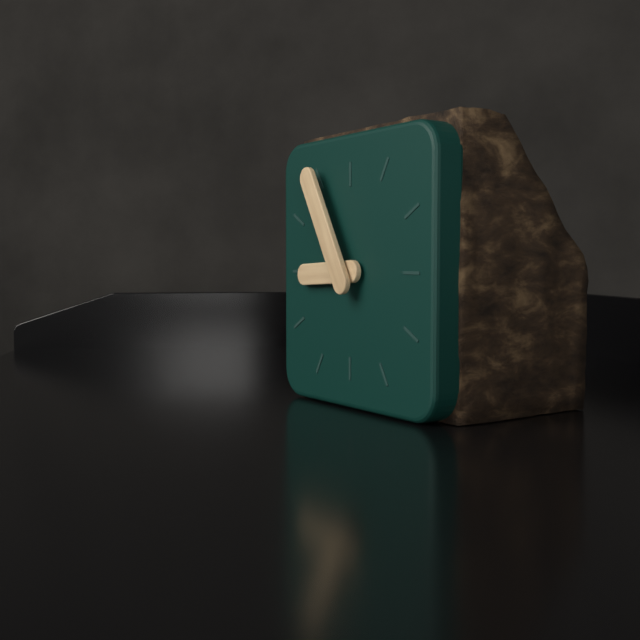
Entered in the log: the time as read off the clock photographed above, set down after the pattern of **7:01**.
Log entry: **8:55**
